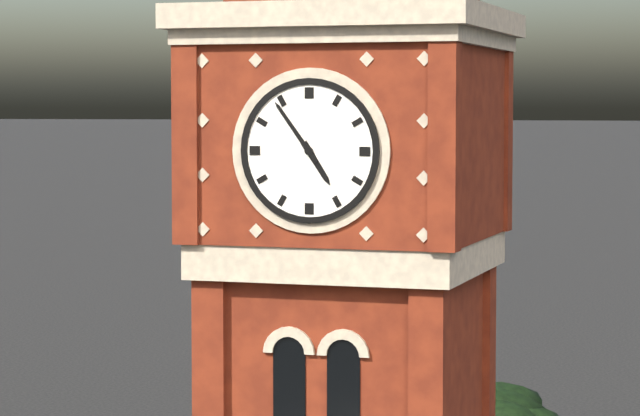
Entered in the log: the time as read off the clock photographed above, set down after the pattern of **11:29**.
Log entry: **4:54**
